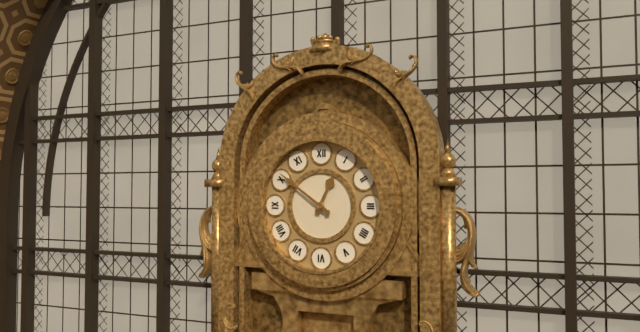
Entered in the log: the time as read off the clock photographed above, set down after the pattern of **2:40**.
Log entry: **12:51**
